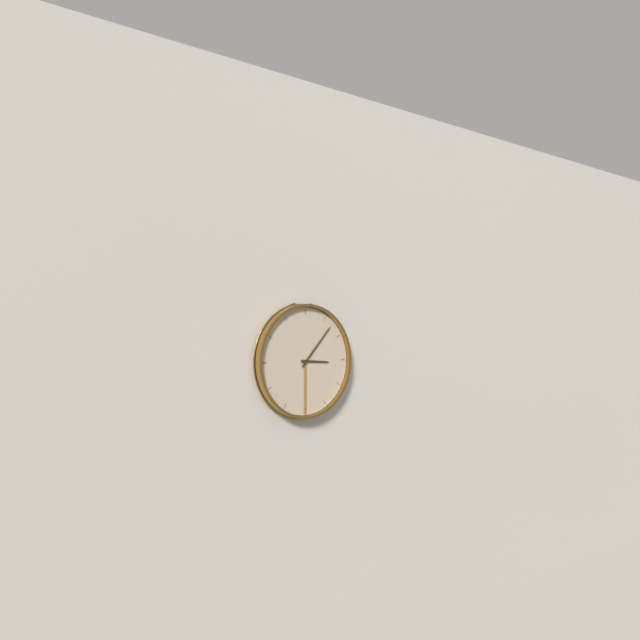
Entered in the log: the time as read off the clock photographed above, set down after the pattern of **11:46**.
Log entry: **3:07**
